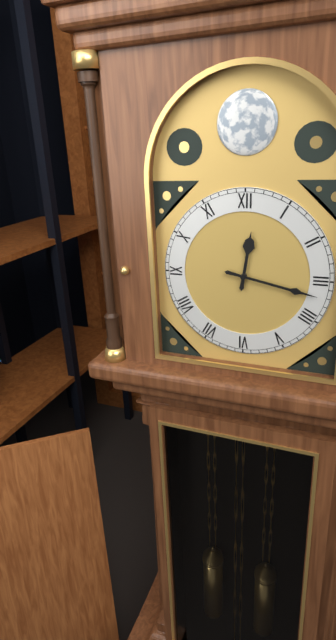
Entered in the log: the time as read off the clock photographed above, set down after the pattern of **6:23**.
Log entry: **12:17**
